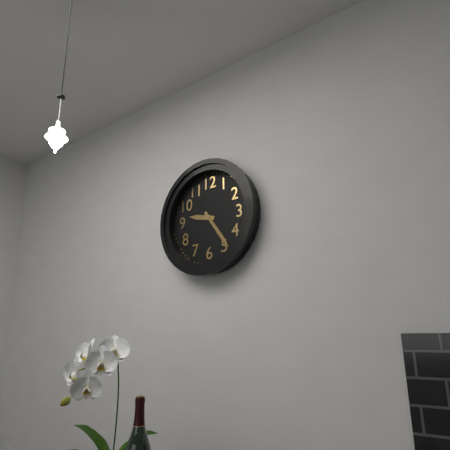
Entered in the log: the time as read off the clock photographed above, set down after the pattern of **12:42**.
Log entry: **9:24**
